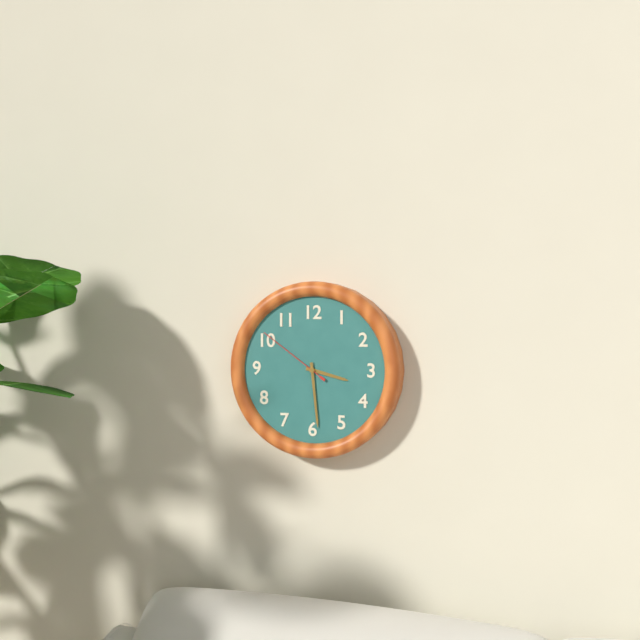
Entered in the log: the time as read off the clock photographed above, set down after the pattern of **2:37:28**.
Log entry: **3:29:51**
